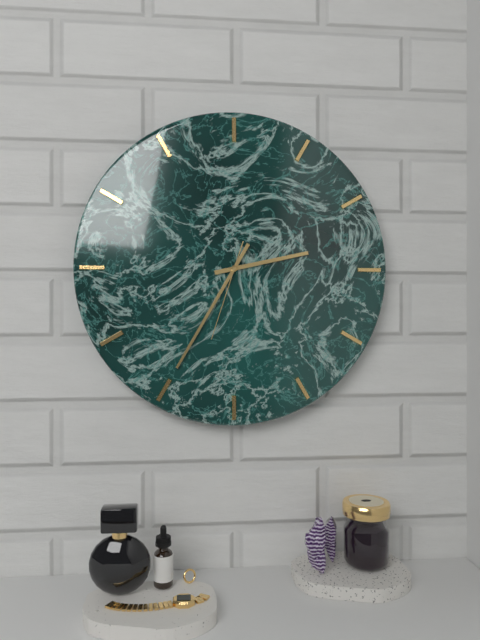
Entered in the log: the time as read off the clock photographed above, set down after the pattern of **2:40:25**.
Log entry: **2:35:33**
